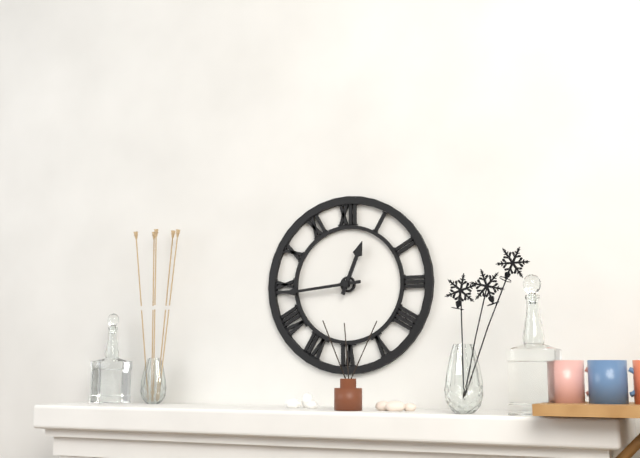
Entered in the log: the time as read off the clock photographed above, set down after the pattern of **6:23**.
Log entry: **12:44**
